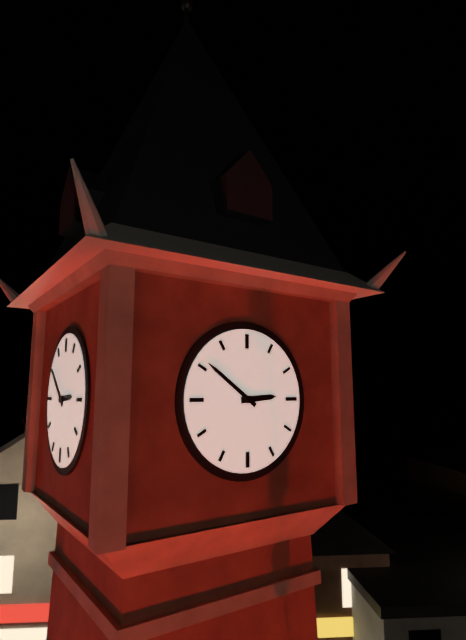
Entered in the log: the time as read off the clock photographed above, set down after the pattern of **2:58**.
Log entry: **2:51**
